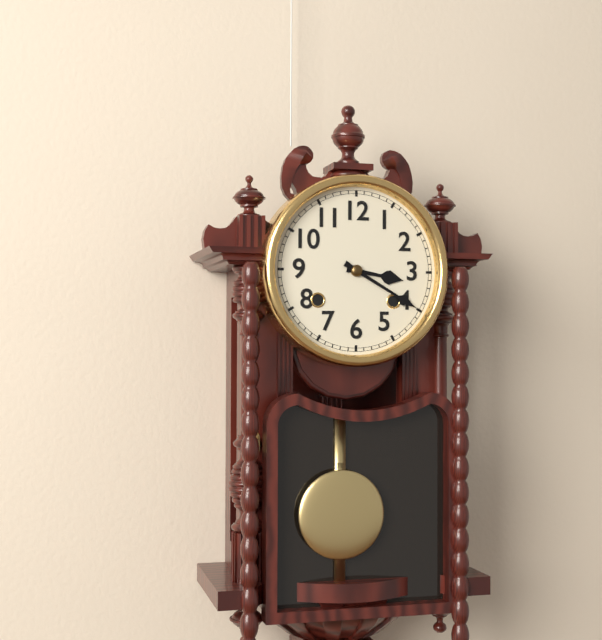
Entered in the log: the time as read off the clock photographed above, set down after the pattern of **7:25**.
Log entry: **3:20**
